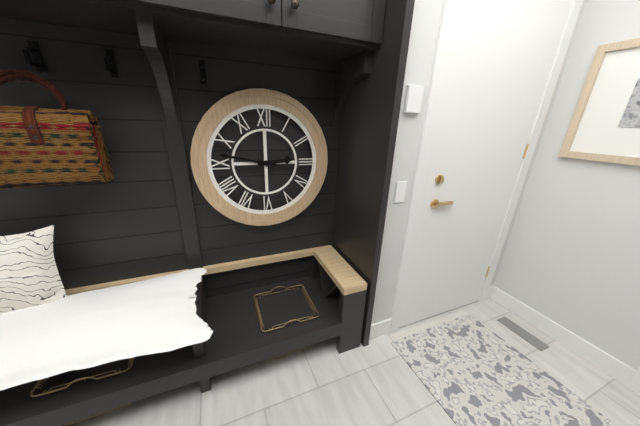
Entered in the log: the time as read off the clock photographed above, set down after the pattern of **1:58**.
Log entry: **2:47**
